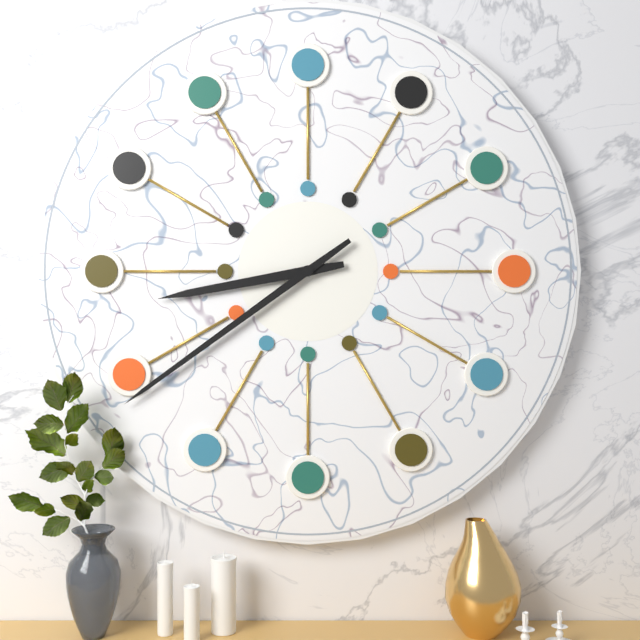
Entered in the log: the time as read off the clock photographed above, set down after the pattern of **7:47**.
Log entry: **8:39**
